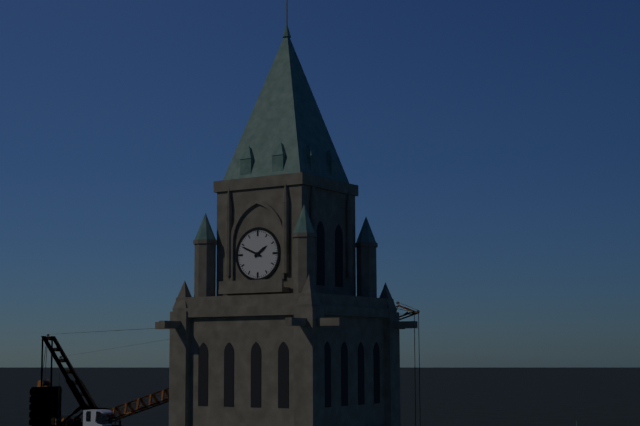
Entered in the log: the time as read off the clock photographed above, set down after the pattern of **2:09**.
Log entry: **1:49**
